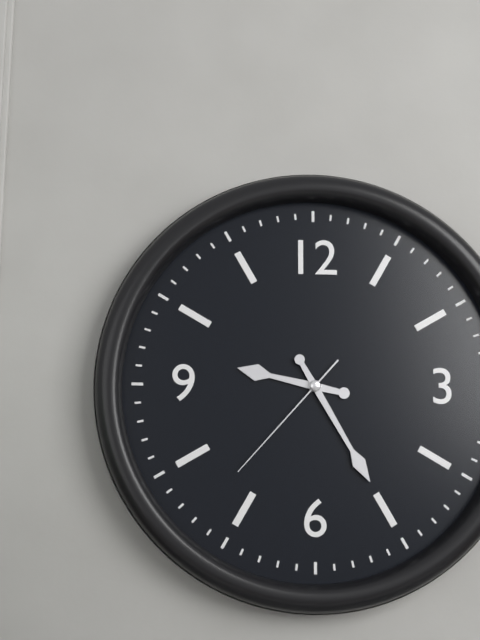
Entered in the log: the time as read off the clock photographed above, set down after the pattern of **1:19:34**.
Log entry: **9:25:37**
